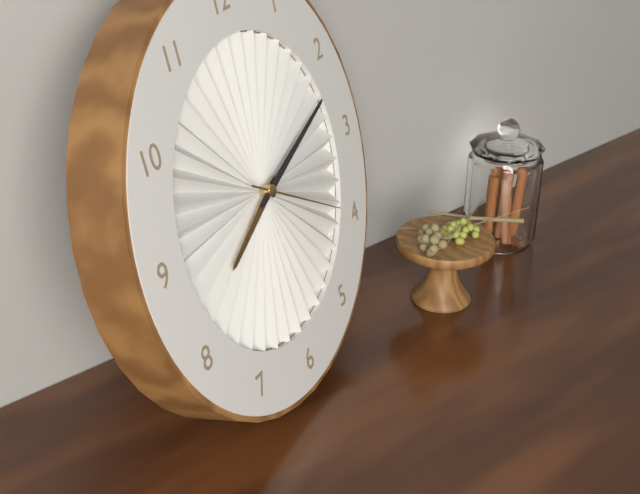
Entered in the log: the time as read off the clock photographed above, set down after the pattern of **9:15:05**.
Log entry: **8:12:20**
